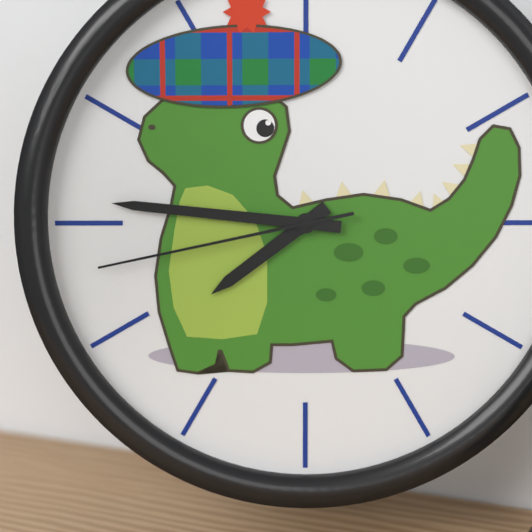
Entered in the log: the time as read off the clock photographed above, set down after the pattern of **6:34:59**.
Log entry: **7:46:43**
